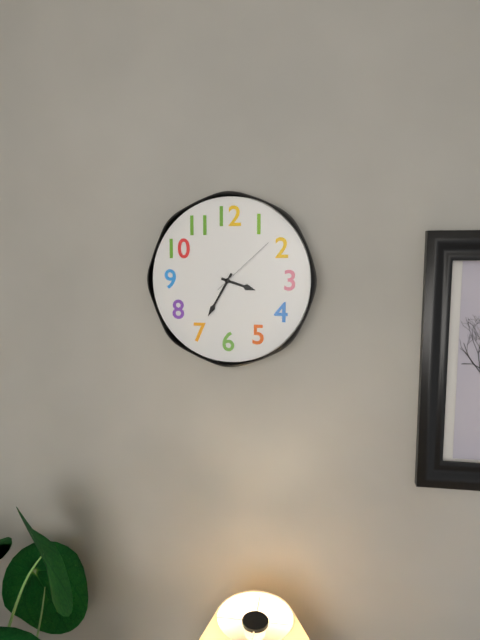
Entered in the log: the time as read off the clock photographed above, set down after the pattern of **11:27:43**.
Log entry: **3:35:08**
